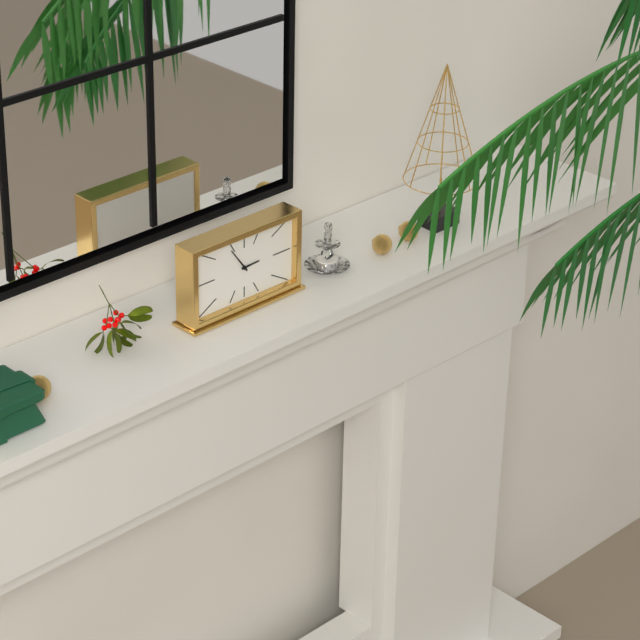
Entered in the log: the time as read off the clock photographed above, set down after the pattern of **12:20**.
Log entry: **2:54**
